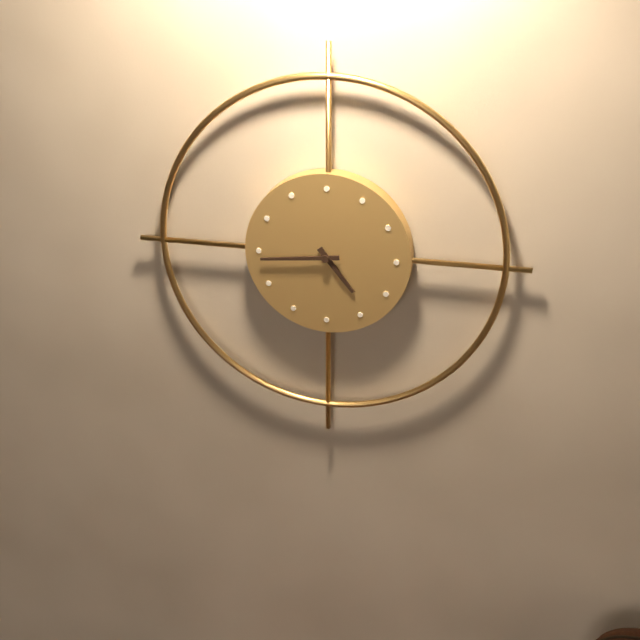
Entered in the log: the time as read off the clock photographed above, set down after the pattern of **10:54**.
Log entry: **4:44**
